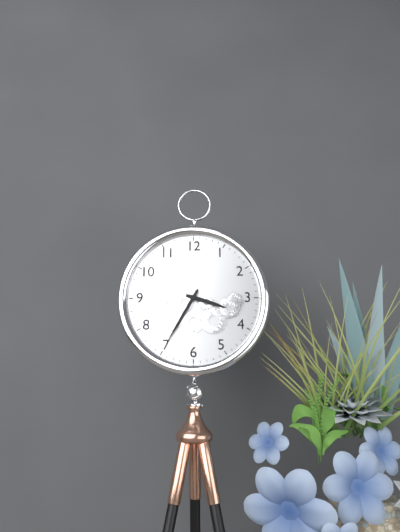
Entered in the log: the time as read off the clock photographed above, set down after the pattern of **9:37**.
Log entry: **3:35**
